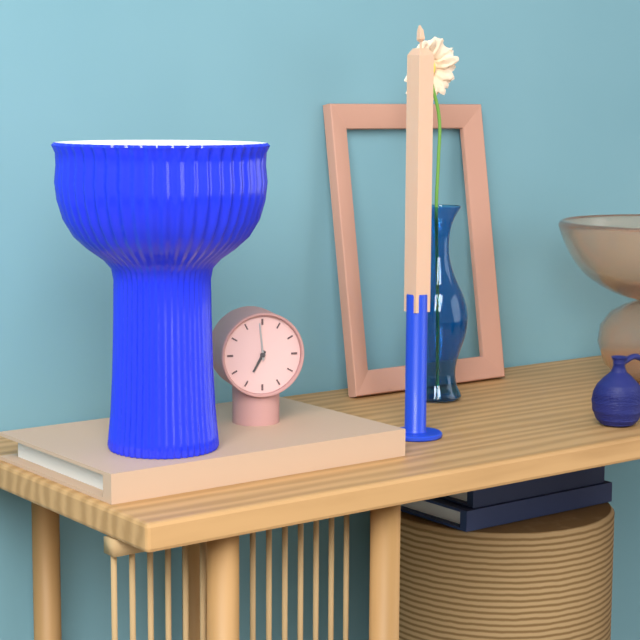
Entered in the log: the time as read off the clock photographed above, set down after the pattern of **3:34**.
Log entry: **6:59**
